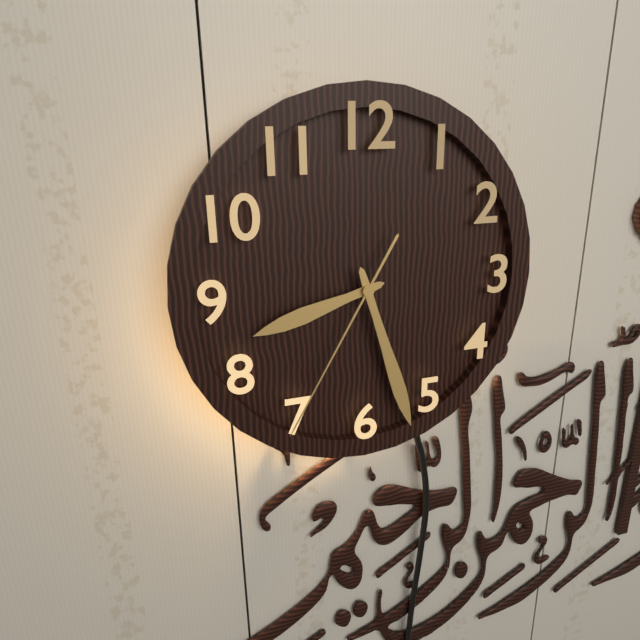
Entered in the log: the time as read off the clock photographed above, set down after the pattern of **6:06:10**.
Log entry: **8:27:35**
